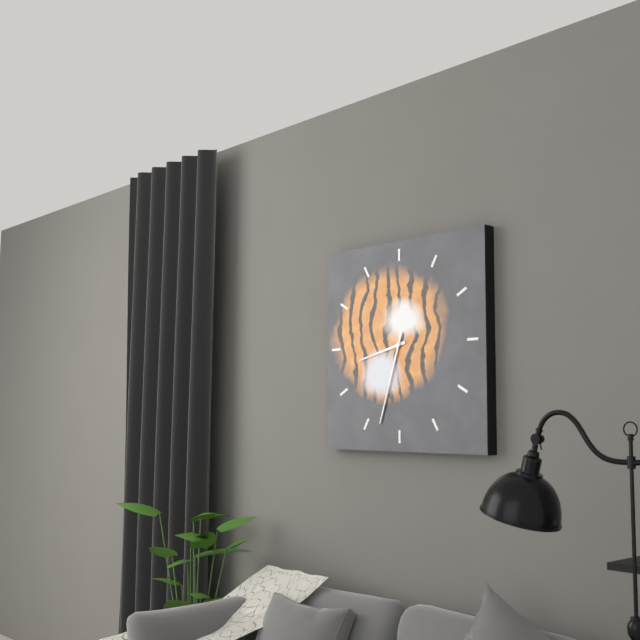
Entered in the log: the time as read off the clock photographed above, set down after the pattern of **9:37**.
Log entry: **8:33**
